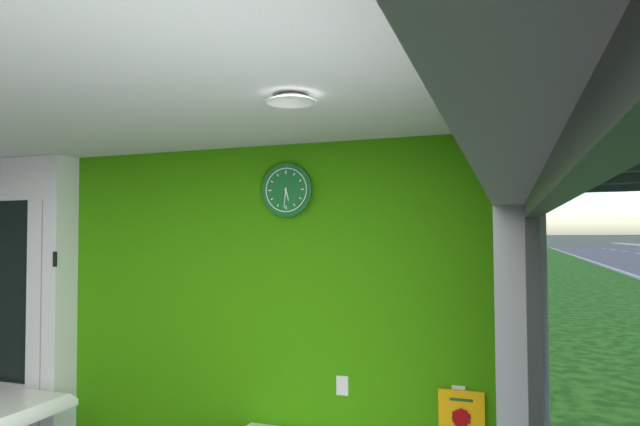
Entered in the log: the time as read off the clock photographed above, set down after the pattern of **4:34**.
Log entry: **5:31**
